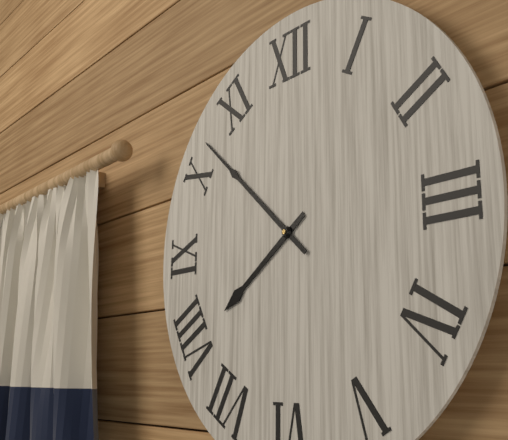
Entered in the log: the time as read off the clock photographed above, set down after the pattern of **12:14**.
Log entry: **7:52**
